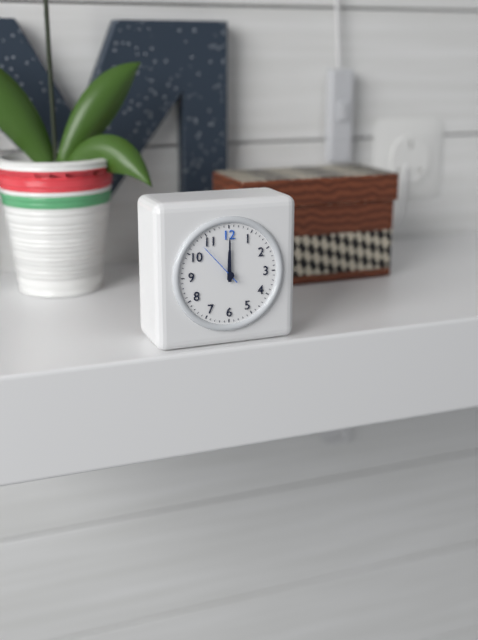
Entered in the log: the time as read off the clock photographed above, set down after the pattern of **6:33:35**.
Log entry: **12:00:53**
